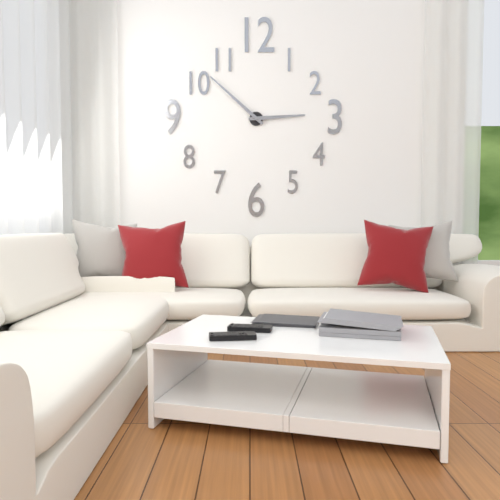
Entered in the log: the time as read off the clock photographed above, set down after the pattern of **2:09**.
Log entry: **2:52**
